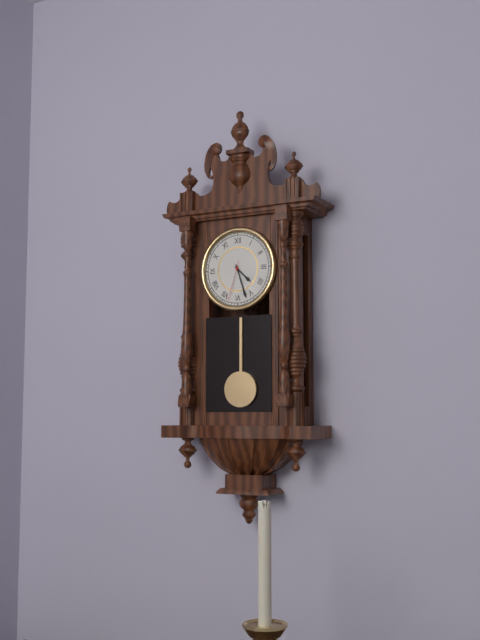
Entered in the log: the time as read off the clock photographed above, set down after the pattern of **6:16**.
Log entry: **4:27**
